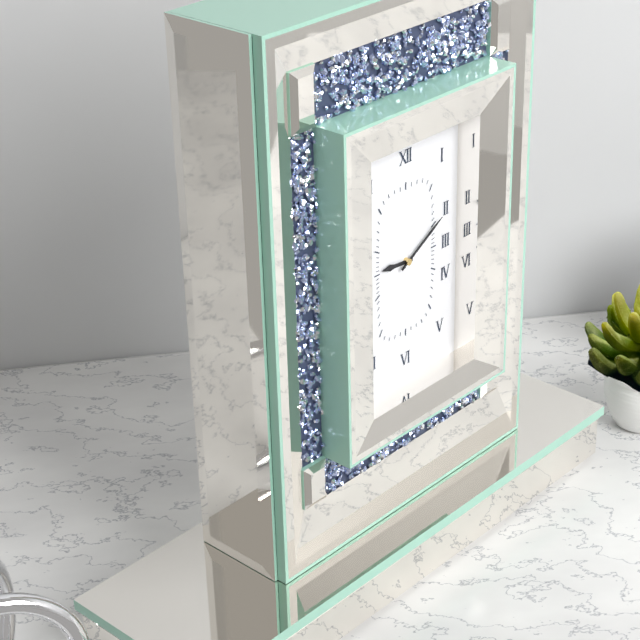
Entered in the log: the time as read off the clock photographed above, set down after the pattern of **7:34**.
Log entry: **9:10**
